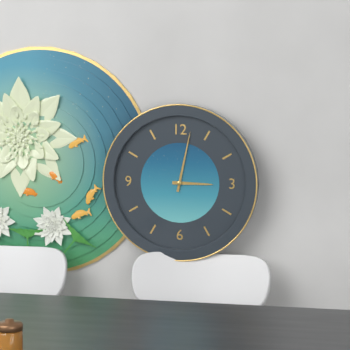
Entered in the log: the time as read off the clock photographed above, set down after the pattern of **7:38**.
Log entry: **3:02**
